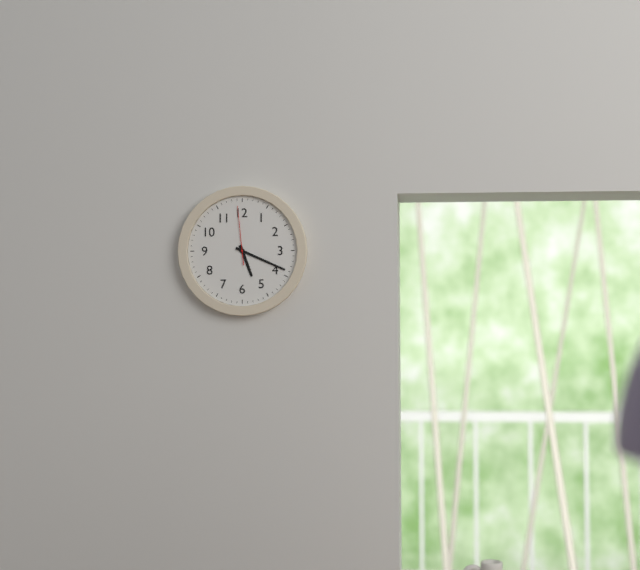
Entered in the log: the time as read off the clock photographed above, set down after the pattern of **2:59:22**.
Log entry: **5:19:59**
